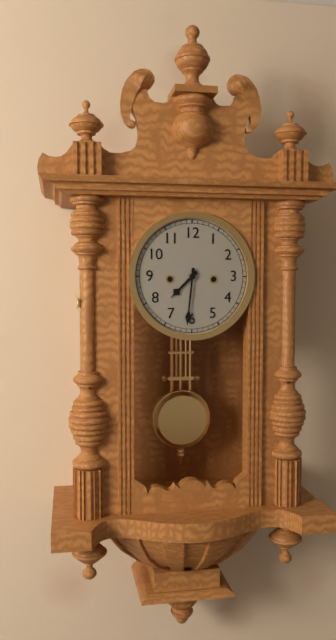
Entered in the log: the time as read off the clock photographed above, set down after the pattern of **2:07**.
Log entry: **7:31**
